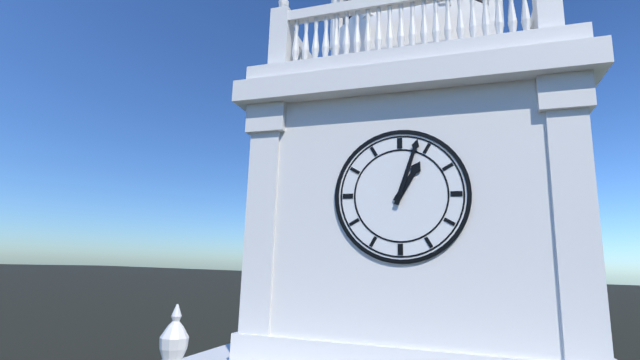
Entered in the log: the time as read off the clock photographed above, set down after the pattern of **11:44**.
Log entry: **1:03**
